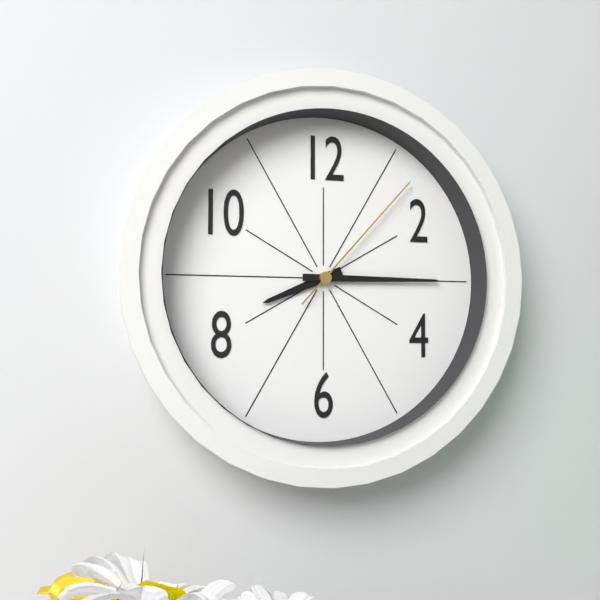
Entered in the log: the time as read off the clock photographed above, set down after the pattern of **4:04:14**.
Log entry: **8:15:07**
